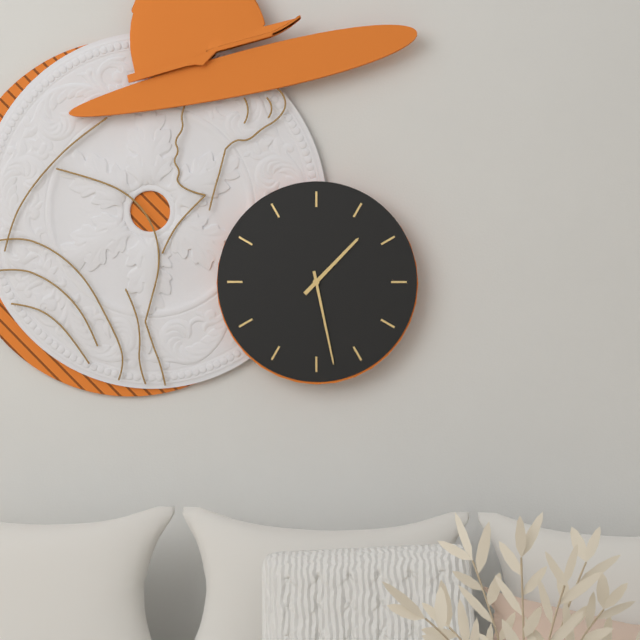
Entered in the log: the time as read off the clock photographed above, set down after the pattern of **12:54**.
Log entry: **1:28**
